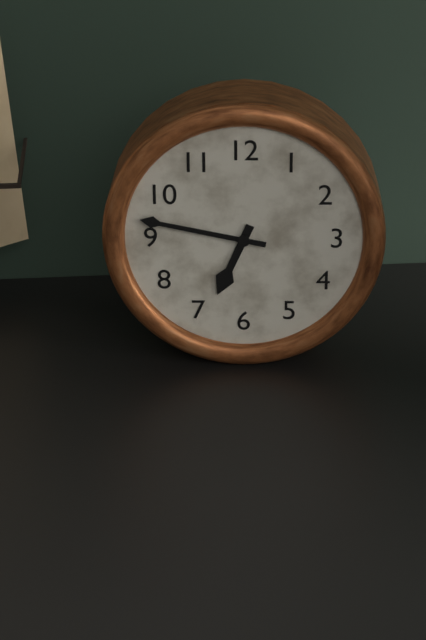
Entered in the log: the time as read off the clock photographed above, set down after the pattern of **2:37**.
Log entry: **6:47**
